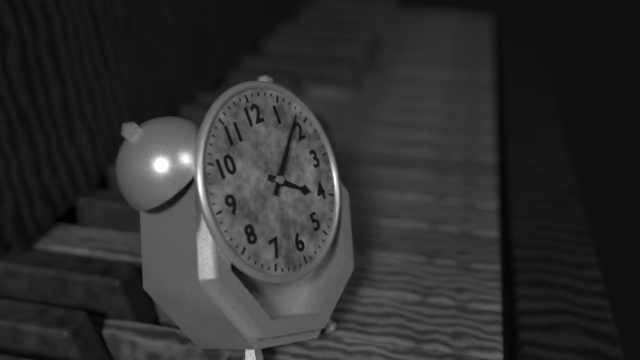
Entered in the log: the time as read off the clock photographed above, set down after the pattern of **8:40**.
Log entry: **4:08**
